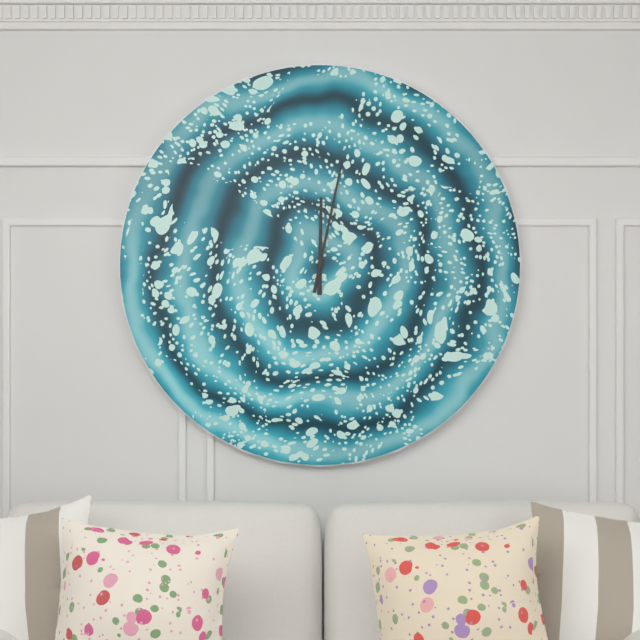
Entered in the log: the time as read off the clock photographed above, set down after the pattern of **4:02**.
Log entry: **12:02**
